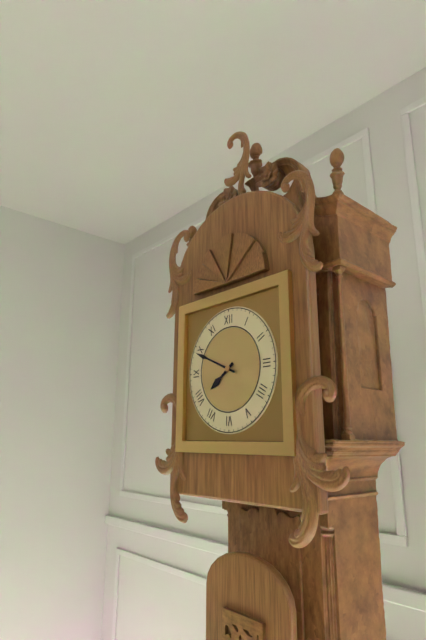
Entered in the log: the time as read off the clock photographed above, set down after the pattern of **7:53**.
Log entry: **7:49**
